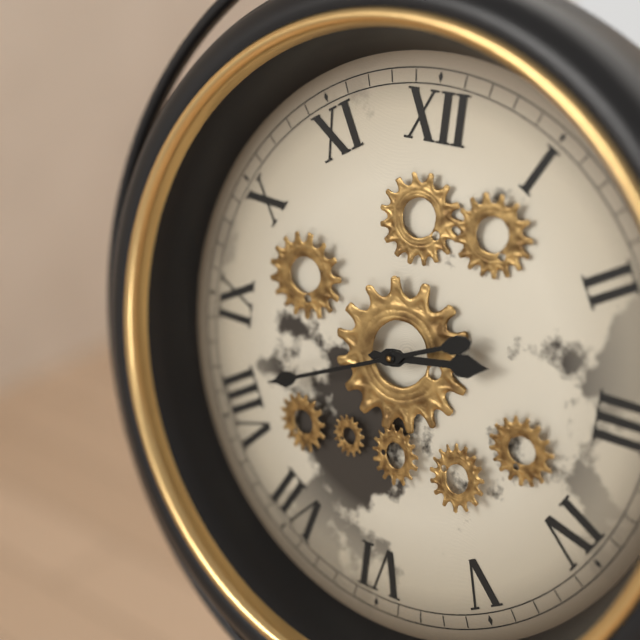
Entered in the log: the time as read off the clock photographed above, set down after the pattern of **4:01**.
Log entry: **2:41**
